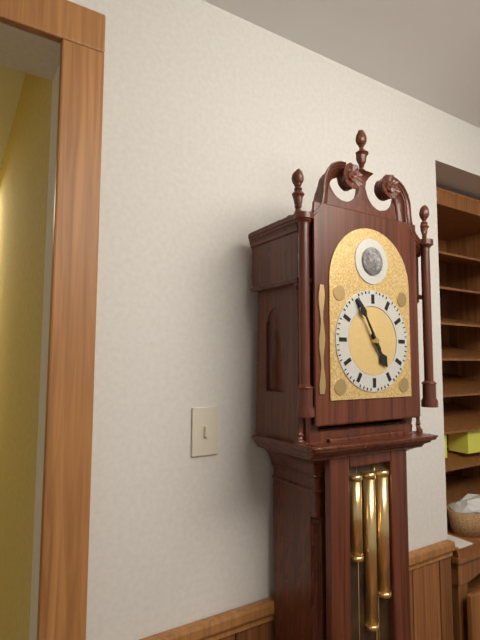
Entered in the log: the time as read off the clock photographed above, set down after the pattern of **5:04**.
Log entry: **4:55**
